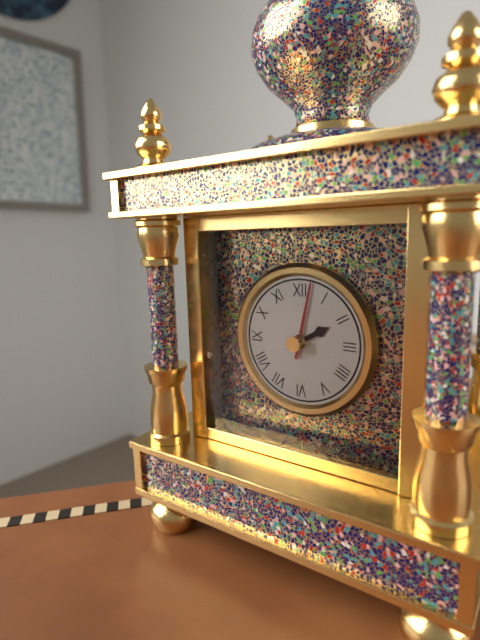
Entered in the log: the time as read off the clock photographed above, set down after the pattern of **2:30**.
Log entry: **2:02**
